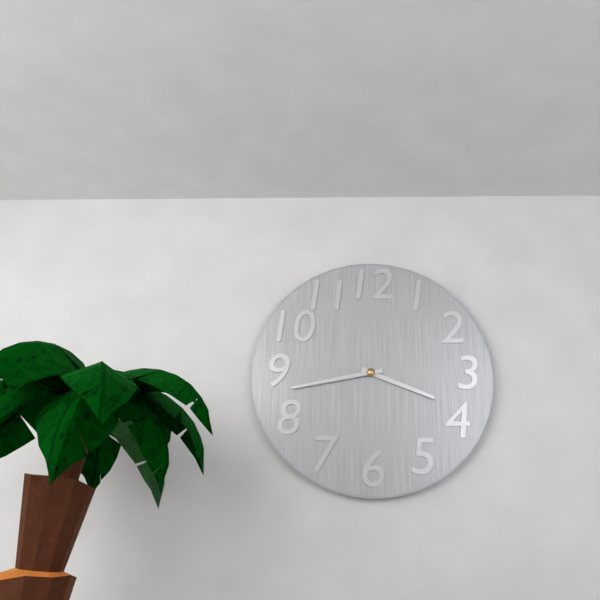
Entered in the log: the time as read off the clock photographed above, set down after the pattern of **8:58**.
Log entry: **3:43**
